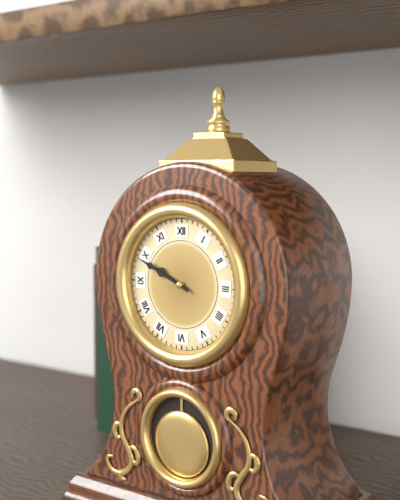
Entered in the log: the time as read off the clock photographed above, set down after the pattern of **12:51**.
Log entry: **9:49**
